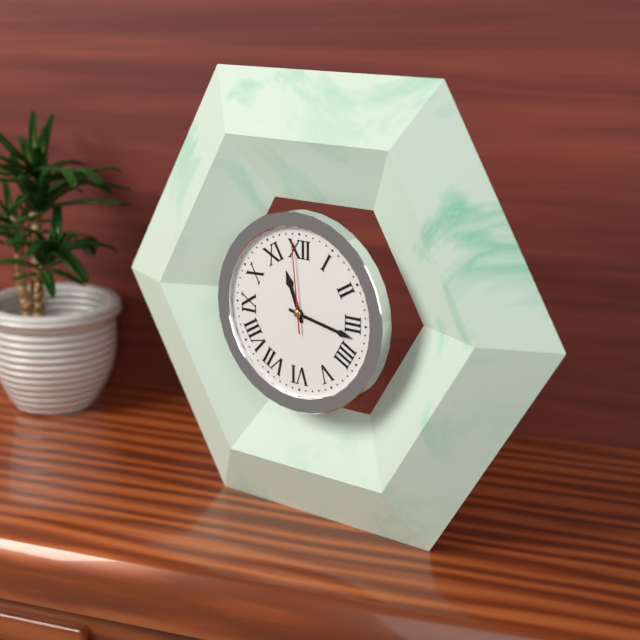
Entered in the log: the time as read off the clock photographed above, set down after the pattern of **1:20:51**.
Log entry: **11:17:59**
